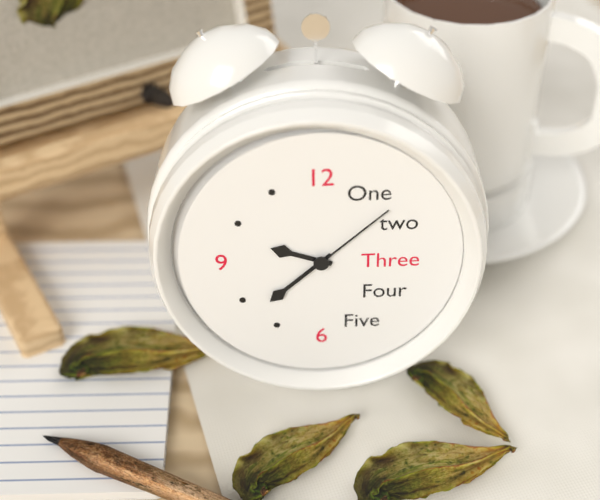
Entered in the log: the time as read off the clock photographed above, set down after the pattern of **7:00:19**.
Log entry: **9:38:08**
